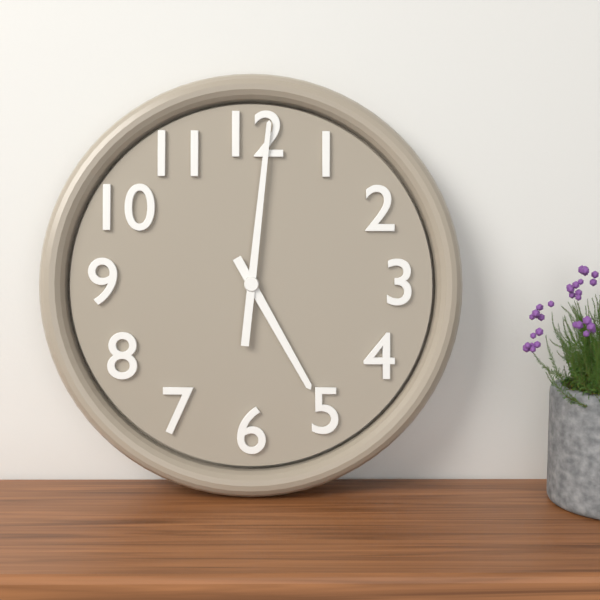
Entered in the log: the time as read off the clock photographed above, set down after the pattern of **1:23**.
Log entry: **5:01**
